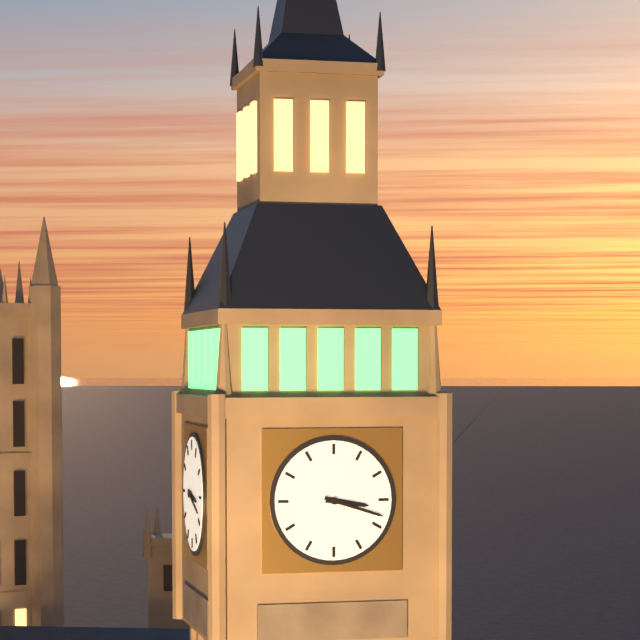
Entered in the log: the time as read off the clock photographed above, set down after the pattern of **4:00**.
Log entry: **3:18**
